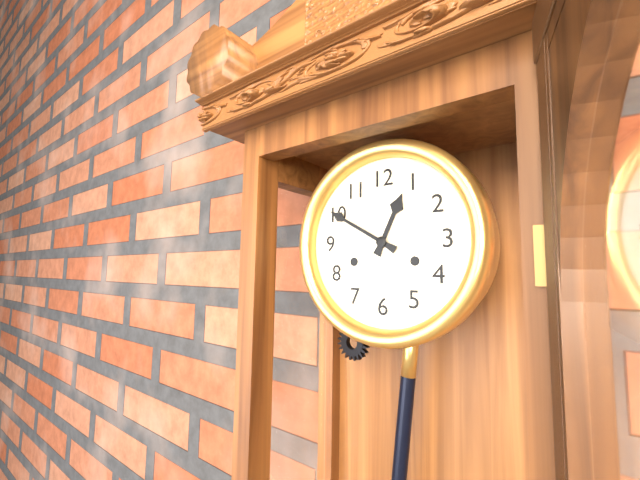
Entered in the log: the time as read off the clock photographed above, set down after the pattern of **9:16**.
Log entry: **12:50**
